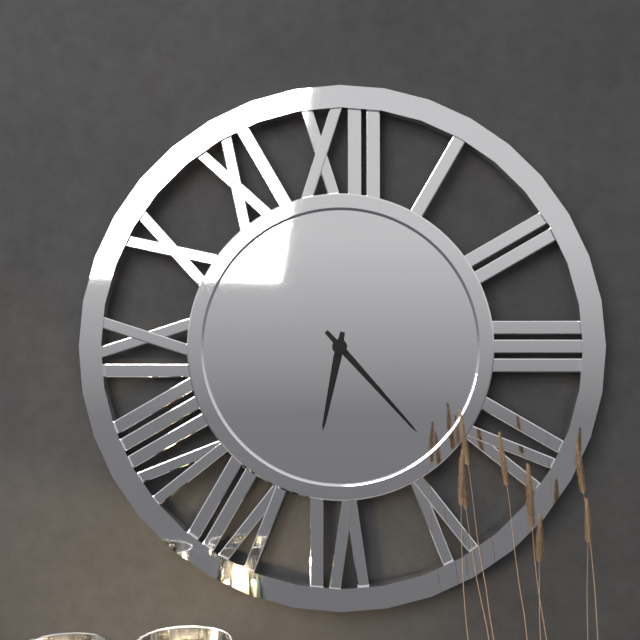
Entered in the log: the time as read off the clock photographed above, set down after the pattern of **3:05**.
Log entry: **6:23**
